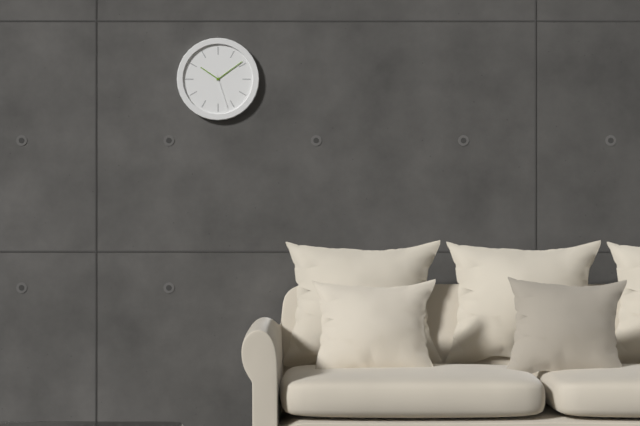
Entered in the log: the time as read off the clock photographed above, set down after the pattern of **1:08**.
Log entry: **10:09**
